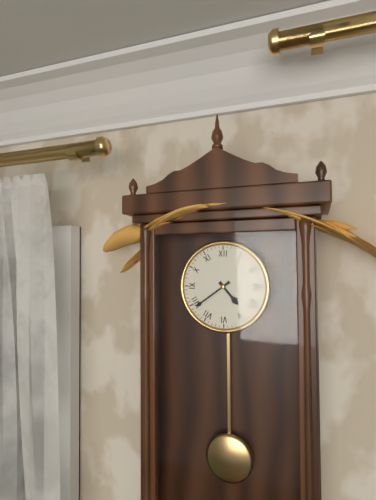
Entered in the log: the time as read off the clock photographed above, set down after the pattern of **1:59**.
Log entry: **4:39**
